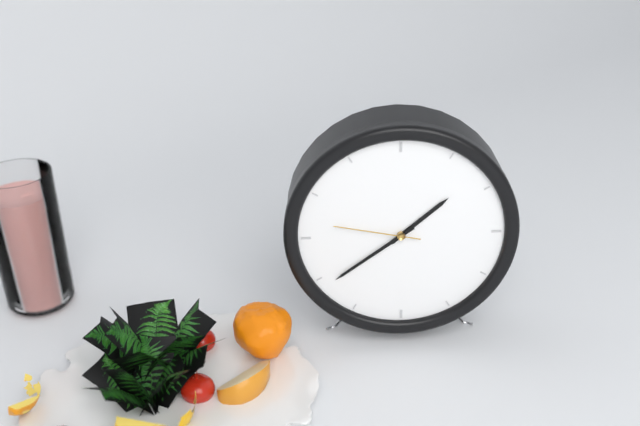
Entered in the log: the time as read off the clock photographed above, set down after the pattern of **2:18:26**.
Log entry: **1:39:47**
